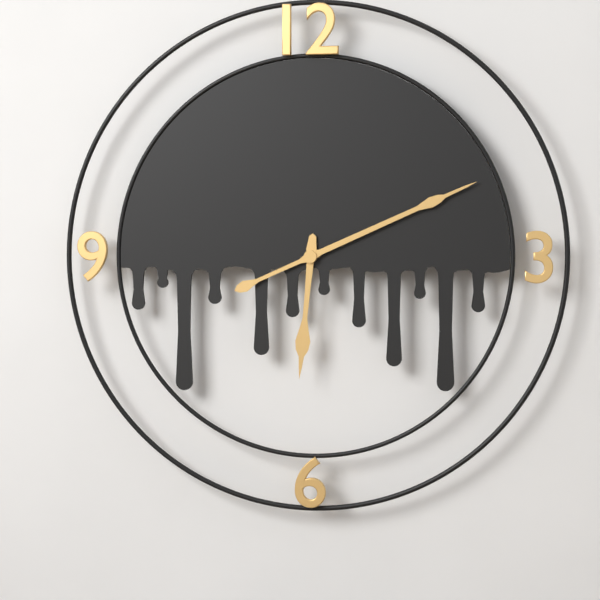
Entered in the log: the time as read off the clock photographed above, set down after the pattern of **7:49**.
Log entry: **6:11**
